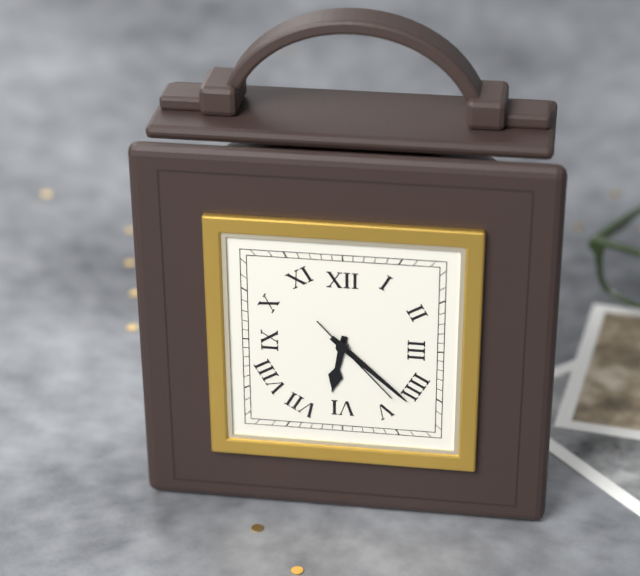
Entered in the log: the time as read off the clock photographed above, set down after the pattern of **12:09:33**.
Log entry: **6:22:23**
